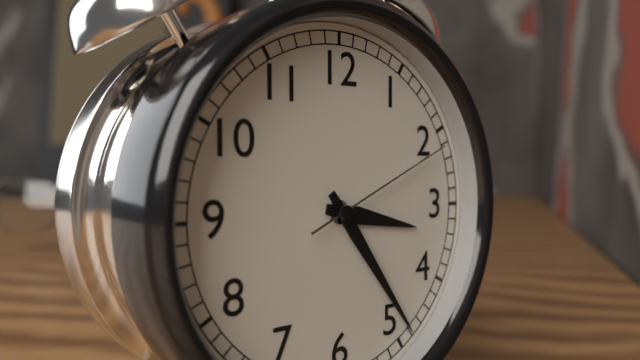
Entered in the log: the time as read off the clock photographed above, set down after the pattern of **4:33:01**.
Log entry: **3:24:11**
